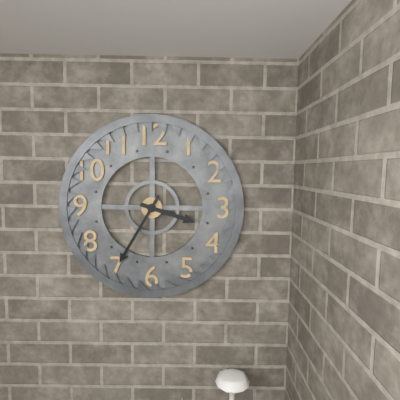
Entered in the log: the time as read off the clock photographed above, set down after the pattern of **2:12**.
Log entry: **3:35**
